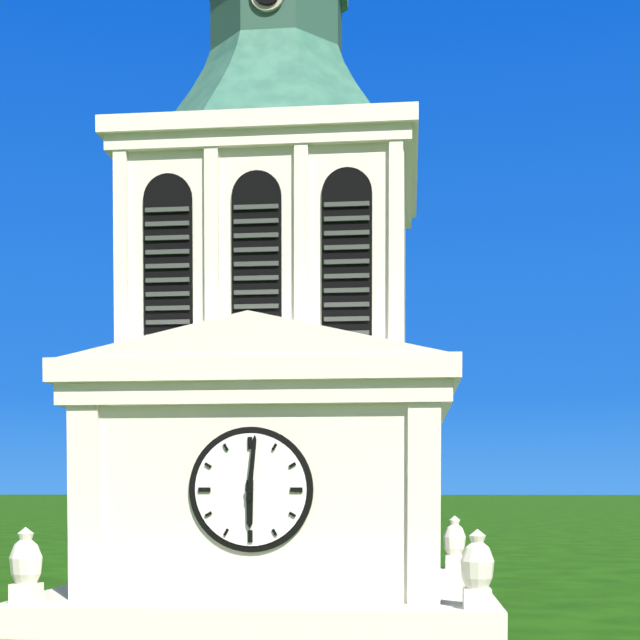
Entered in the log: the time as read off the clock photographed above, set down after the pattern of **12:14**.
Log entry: **6:01**
